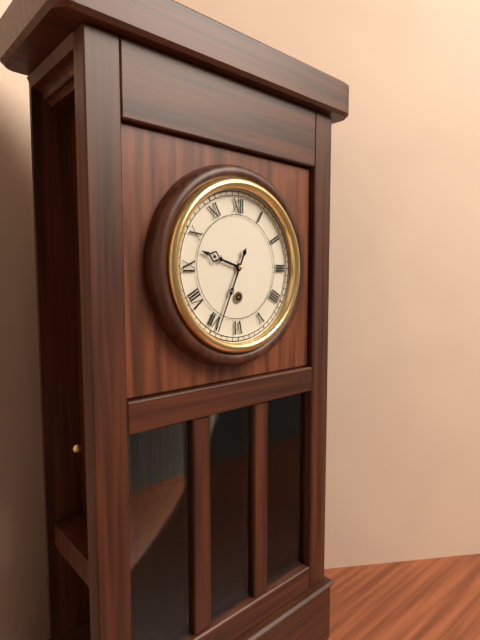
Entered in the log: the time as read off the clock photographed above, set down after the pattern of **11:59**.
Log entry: **9:34**
